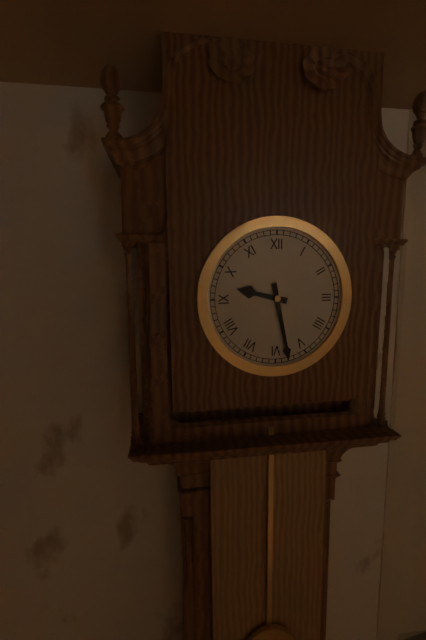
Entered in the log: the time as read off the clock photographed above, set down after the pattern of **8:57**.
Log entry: **9:28**
